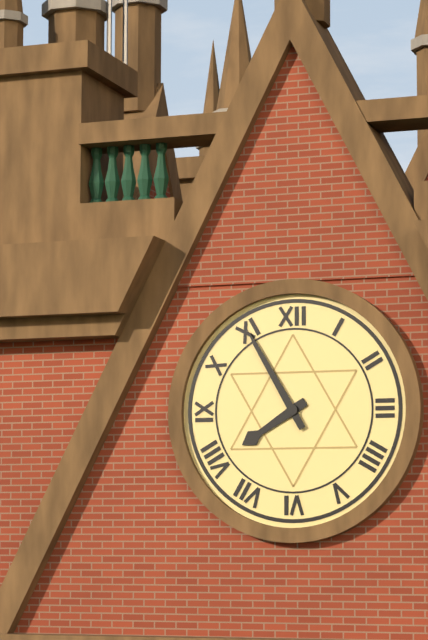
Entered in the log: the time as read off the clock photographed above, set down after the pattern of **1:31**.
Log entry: **7:55**
